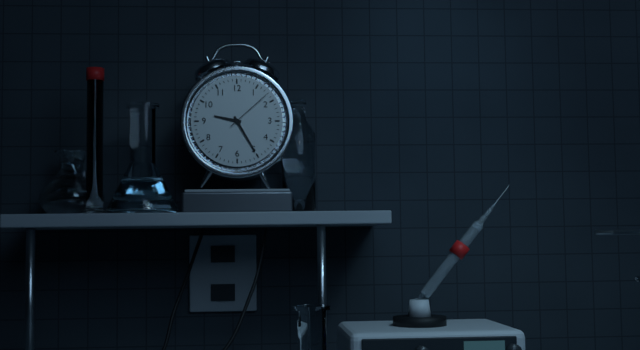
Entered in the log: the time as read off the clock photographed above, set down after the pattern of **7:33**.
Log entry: **9:25**
